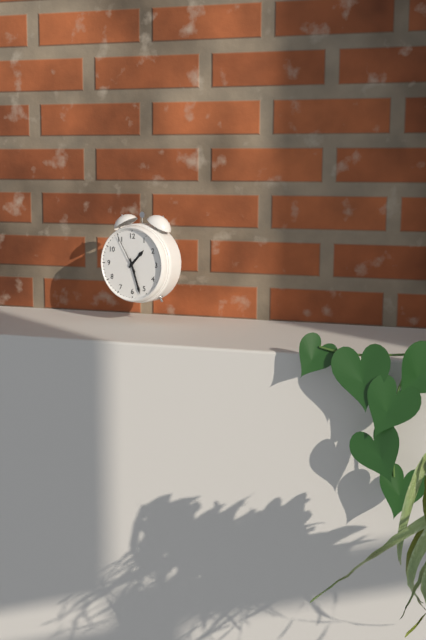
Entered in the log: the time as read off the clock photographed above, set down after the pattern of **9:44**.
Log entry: **1:27**
